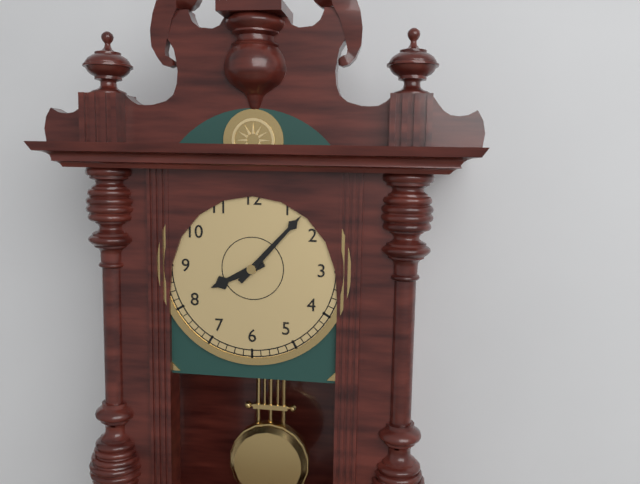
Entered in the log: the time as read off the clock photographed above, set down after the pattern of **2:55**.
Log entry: **8:07**
